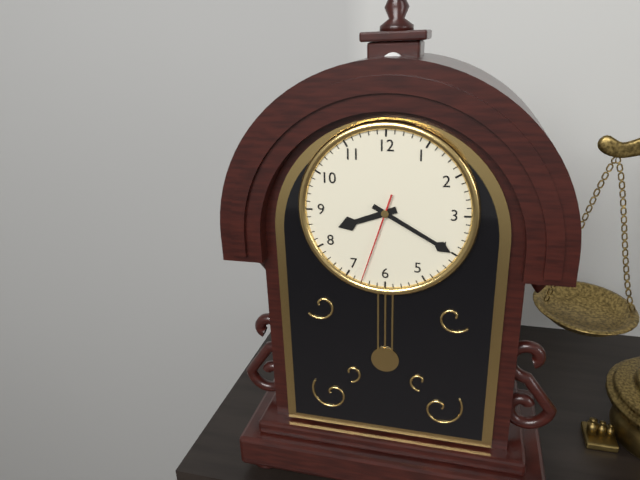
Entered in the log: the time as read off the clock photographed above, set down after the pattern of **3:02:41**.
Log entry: **8:20:33**
